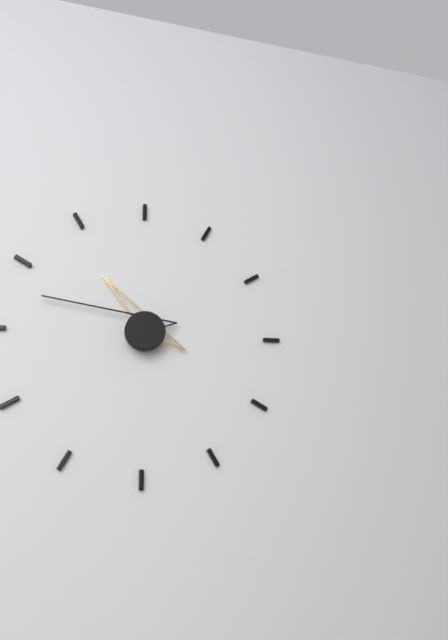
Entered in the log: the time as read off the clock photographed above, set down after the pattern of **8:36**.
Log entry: **10:48**
